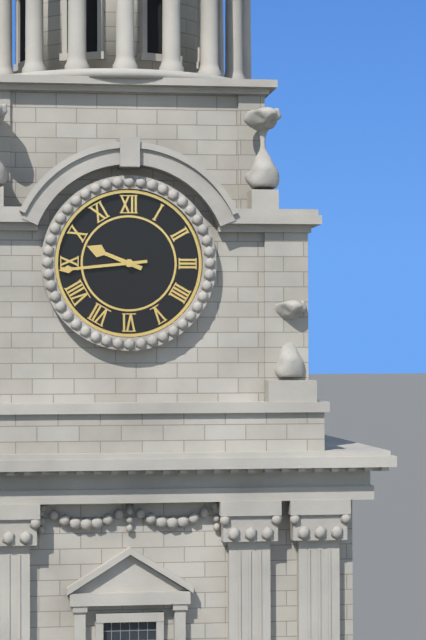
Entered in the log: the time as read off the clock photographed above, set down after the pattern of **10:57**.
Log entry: **9:44**
